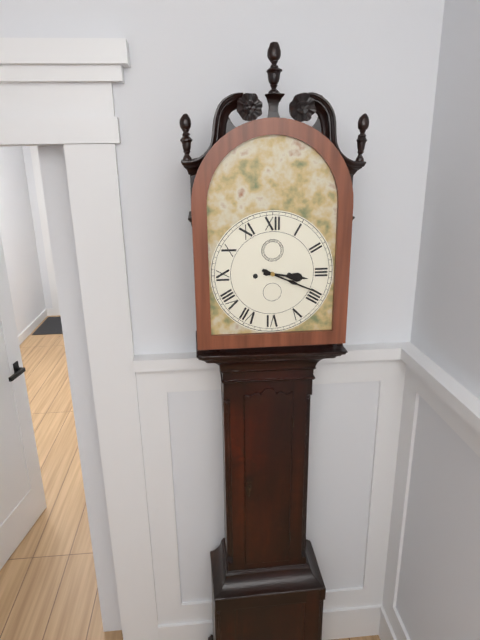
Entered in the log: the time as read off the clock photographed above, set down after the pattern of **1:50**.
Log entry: **3:19**
